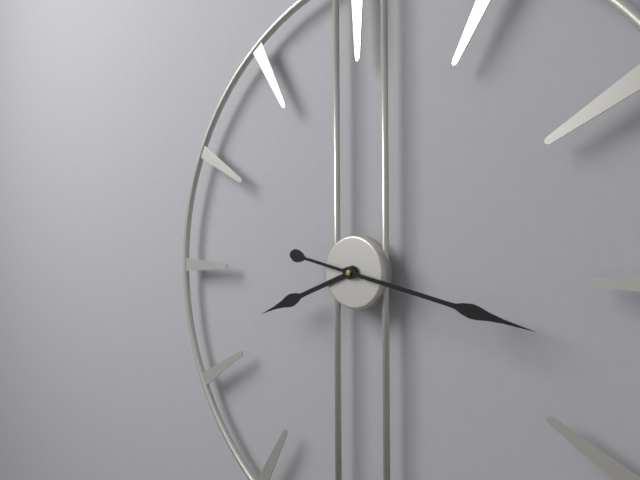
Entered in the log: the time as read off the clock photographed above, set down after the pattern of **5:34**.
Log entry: **8:17**
